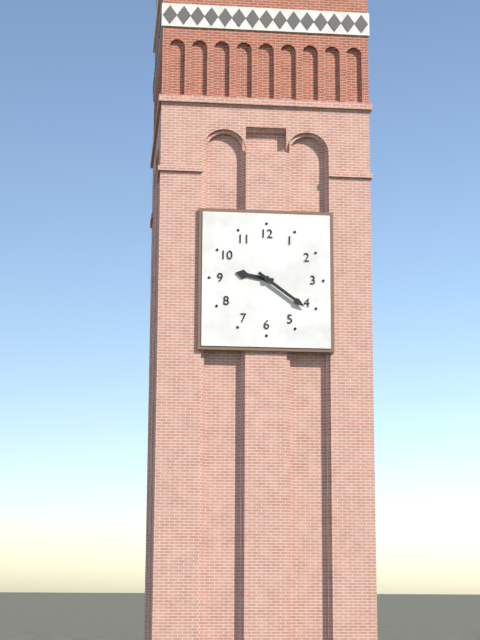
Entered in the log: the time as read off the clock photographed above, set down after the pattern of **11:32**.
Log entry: **9:21**
